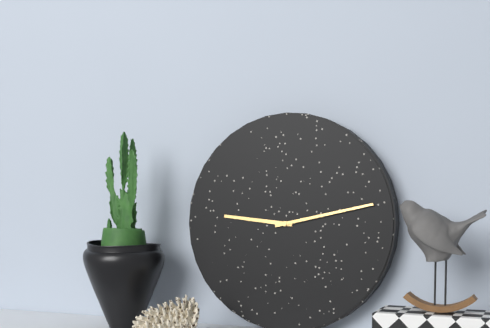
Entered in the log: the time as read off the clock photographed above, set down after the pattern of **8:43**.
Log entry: **9:13**
